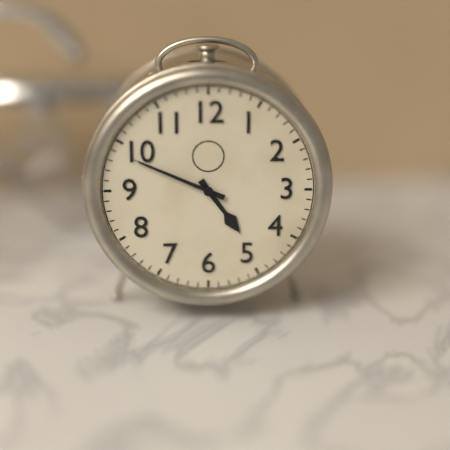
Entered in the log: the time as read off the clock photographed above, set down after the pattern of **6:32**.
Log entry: **4:49**
